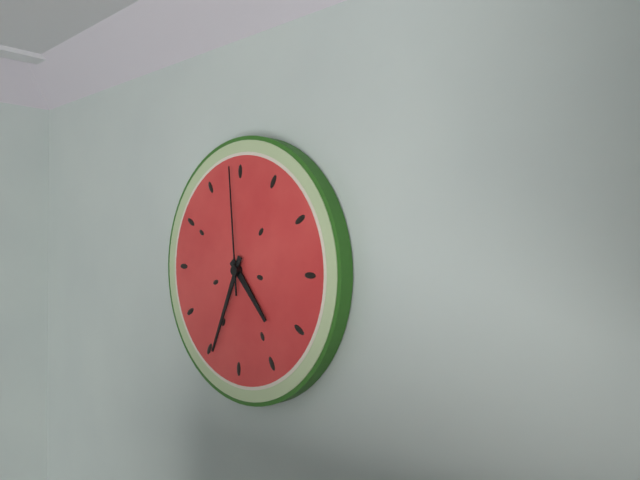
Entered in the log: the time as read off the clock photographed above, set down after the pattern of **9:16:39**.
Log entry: **4:34:59**
